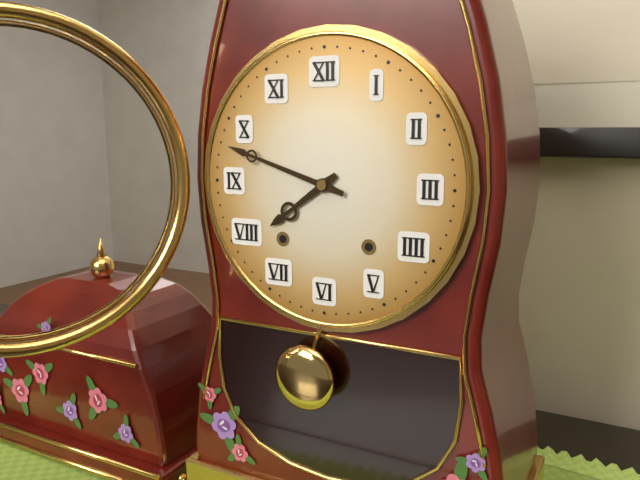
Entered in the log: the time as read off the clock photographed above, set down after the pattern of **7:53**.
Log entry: **7:48**
